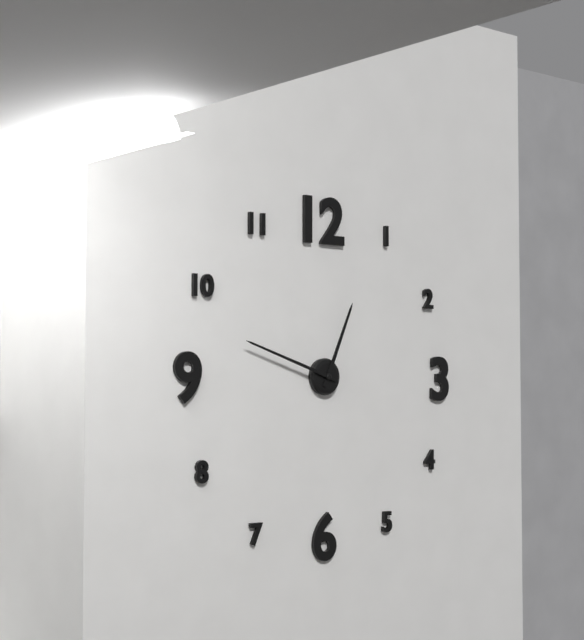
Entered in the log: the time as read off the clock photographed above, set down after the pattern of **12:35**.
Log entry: **12:48**
